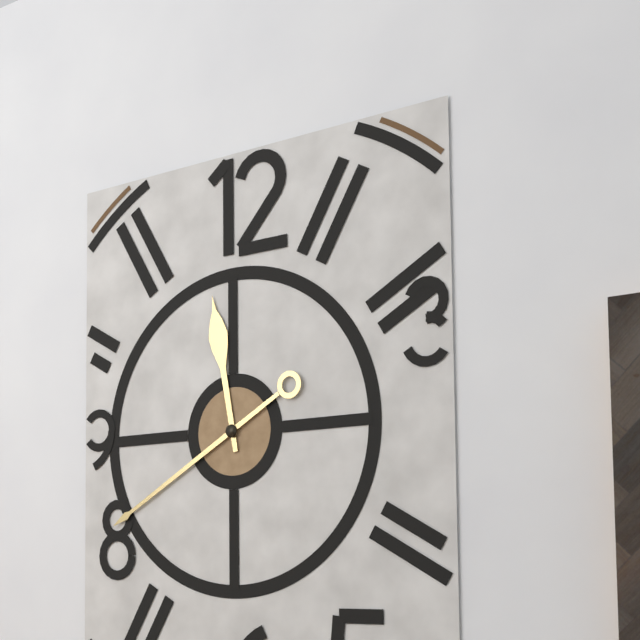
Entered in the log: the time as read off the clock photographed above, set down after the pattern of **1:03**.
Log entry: **11:40**
